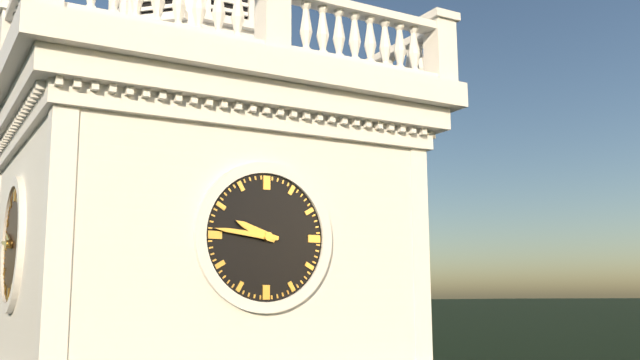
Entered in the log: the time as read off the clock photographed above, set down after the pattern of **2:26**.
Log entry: **9:46**
